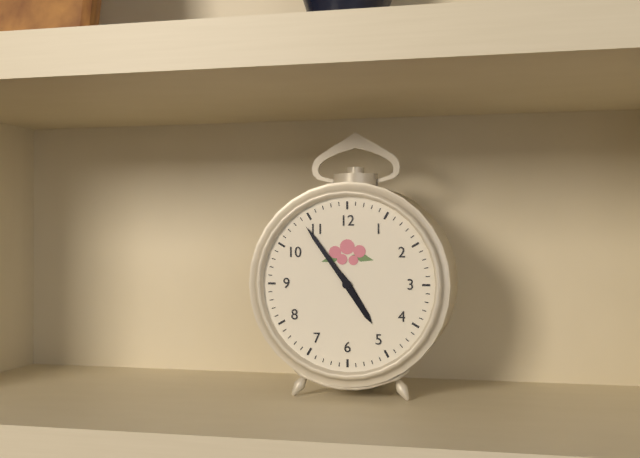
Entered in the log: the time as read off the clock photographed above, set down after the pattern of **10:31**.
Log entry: **4:54**
